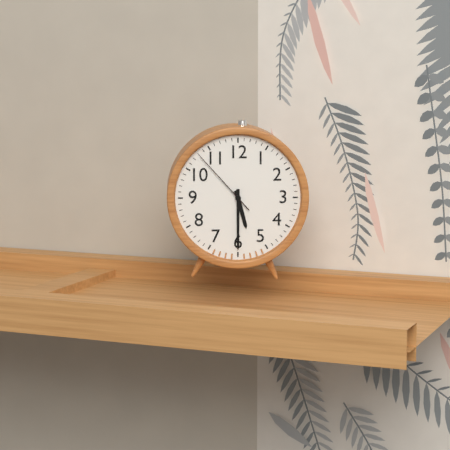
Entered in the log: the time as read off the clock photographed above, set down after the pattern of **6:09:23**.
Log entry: **5:30:53**
